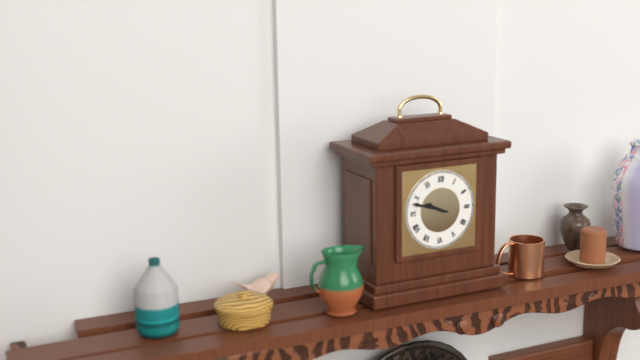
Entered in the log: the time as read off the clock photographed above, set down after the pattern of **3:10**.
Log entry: **9:48**
